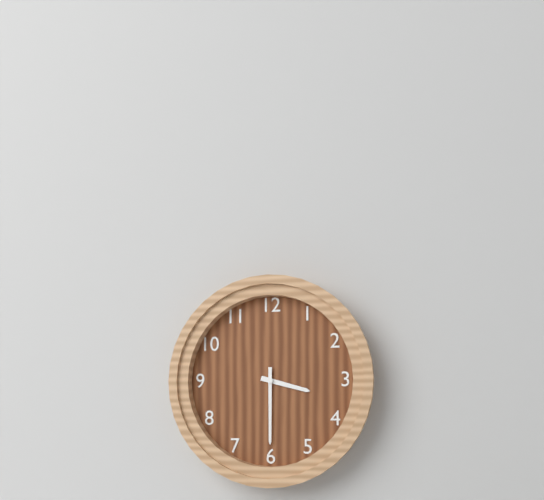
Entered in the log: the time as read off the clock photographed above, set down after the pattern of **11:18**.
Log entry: **3:30**
